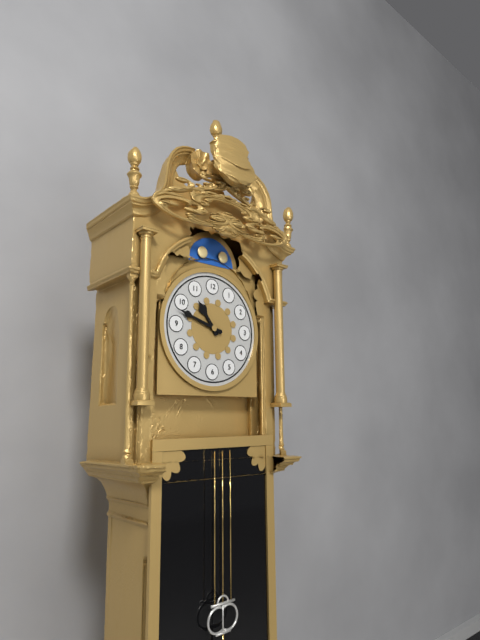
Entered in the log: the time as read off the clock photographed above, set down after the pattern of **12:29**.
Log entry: **10:48**
